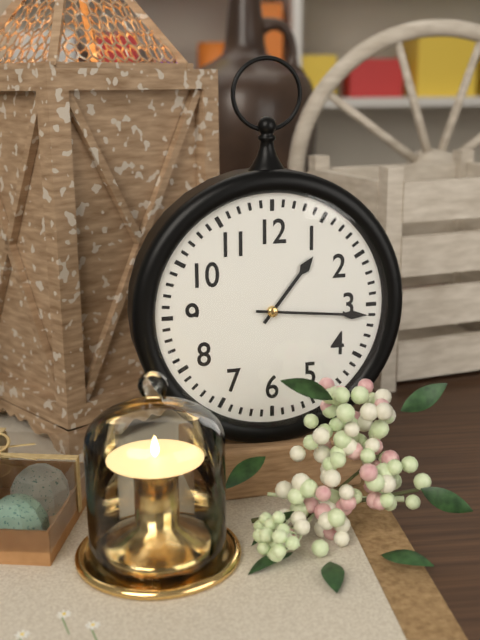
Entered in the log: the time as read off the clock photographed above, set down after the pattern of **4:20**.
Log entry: **1:16**
